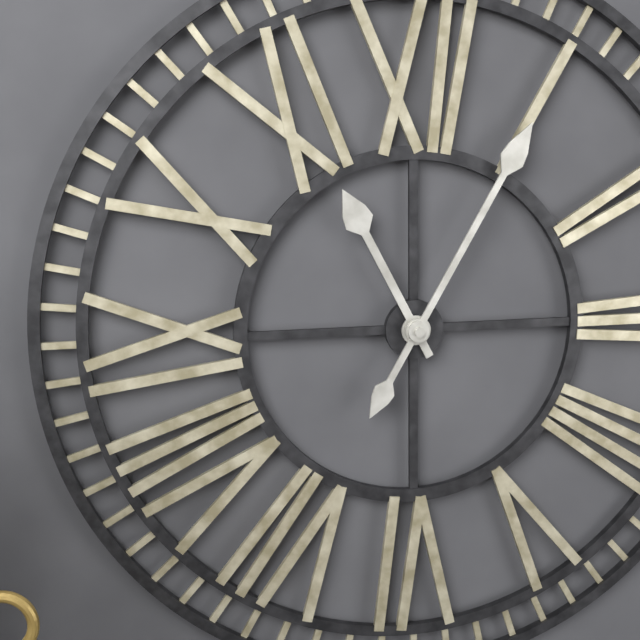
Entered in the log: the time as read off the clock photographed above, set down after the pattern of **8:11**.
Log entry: **11:05**
